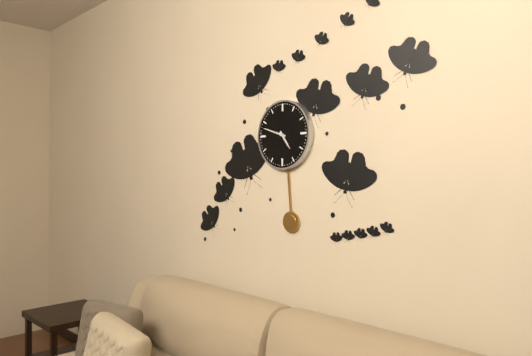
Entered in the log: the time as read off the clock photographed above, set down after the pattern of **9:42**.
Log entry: **4:48**
